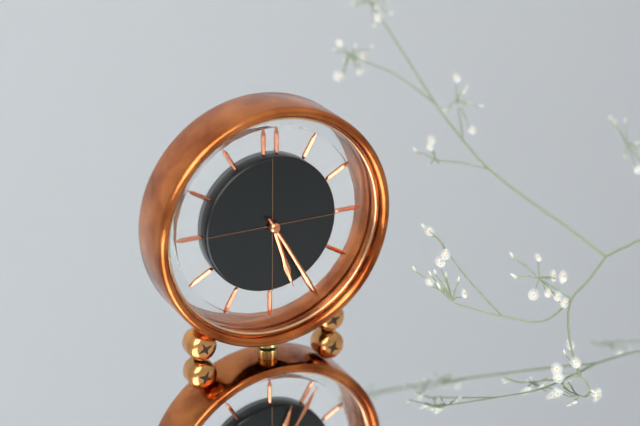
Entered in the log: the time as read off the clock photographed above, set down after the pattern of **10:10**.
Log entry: **5:25**
